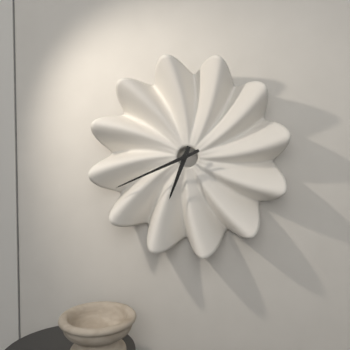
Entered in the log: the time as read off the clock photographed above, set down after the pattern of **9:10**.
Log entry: **6:41**
